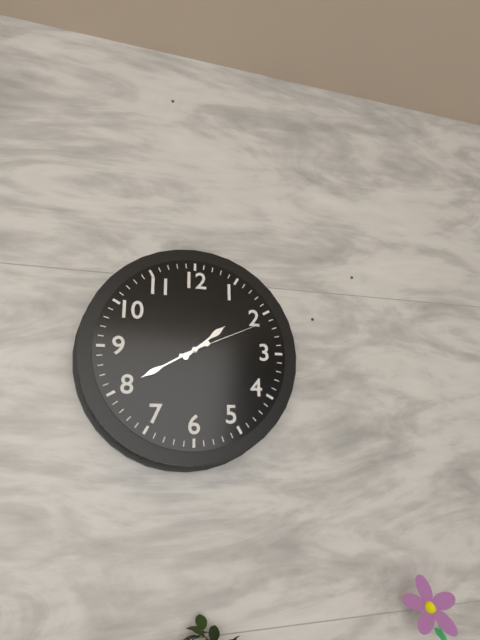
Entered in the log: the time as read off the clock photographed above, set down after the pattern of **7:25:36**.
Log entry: **1:40:11**
